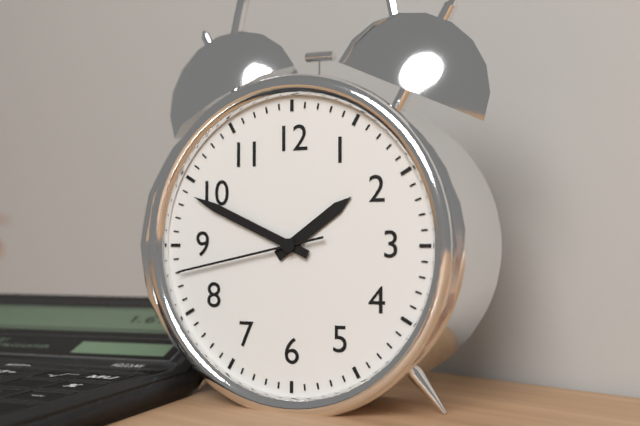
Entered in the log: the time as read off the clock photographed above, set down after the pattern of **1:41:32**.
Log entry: **1:49:43**
